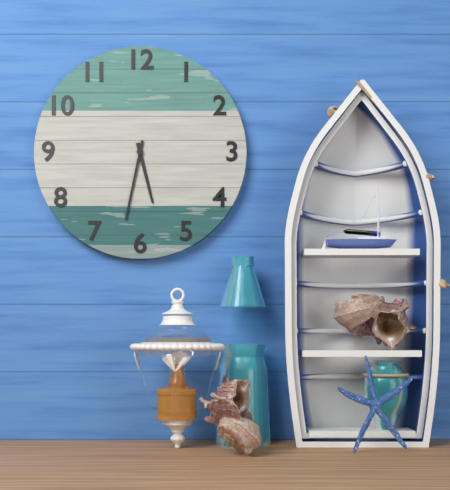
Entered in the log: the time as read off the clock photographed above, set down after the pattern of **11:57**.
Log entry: **5:32**
